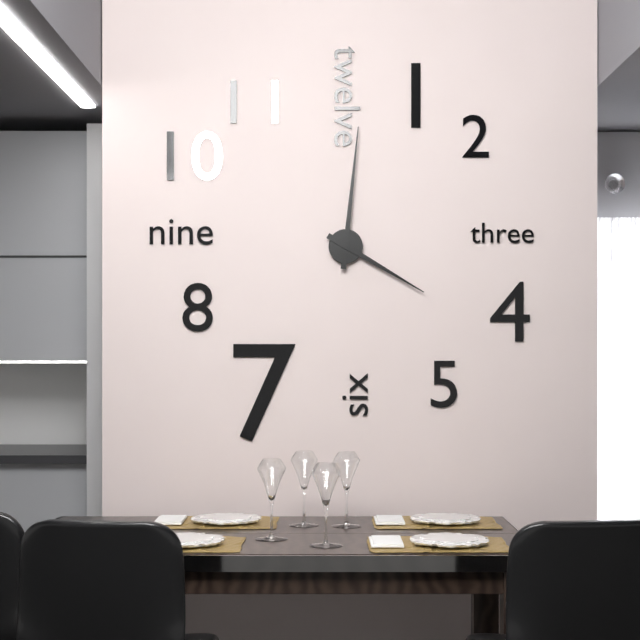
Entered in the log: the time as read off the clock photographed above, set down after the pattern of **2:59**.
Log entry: **4:01**
